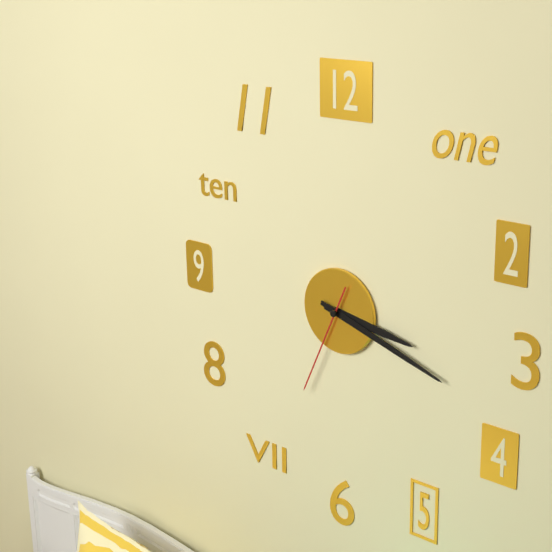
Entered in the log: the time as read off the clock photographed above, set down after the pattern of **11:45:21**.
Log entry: **3:18:34**
